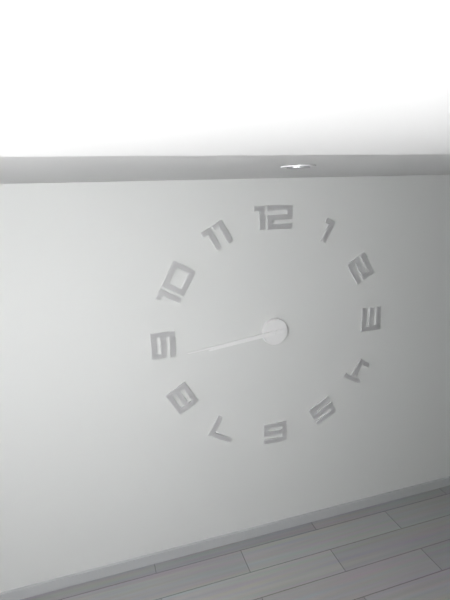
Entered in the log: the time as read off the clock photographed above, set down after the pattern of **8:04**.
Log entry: **8:44**
